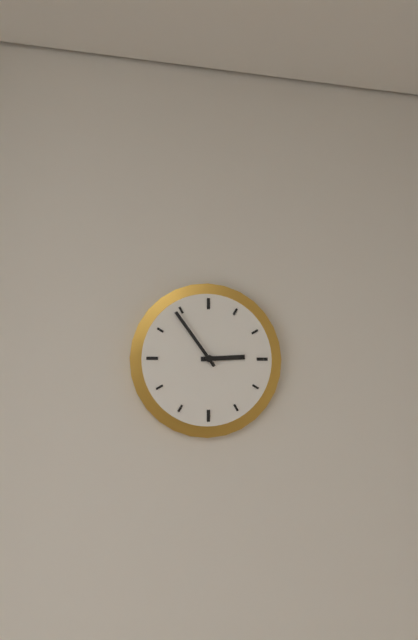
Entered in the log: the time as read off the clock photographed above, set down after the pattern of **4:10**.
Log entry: **2:54**
